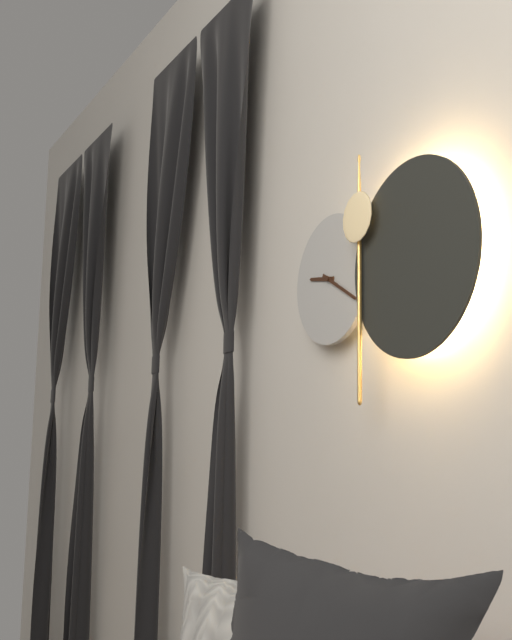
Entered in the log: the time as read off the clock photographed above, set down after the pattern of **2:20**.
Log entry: **9:20**
